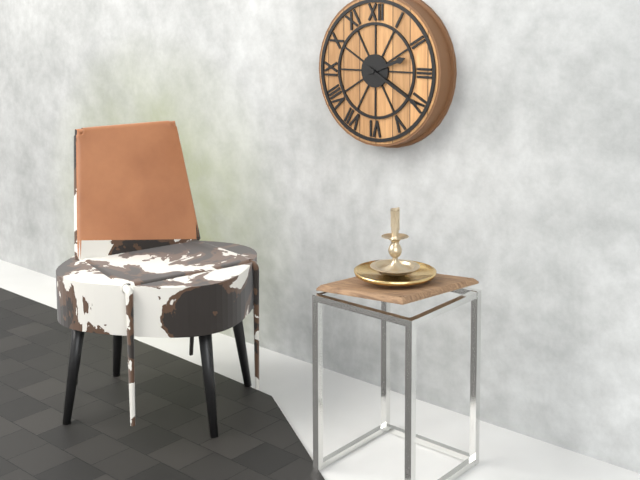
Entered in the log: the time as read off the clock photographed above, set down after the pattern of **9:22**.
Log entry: **2:20**
